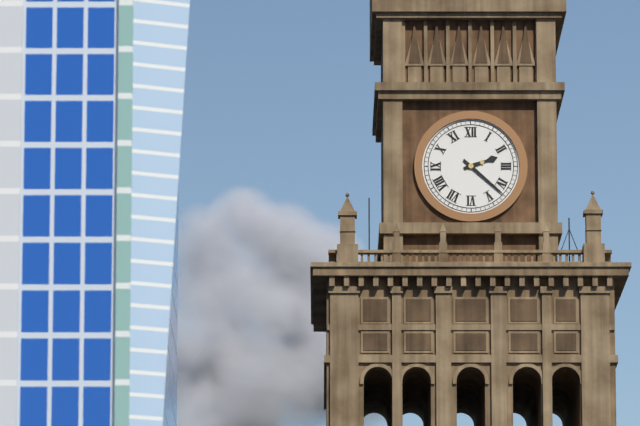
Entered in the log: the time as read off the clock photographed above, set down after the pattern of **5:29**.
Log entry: **2:22**
